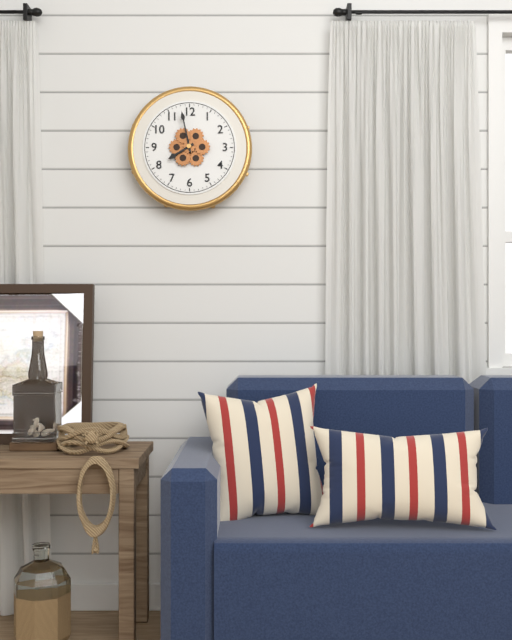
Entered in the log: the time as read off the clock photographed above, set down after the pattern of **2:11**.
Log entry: **7:58**
